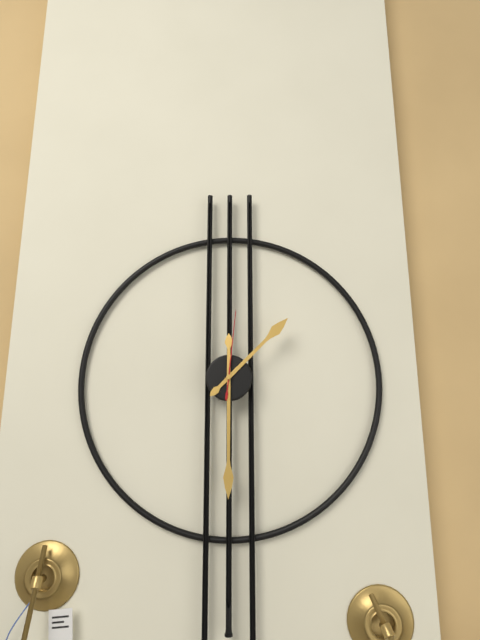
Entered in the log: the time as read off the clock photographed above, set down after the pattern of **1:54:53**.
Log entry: **1:30:01**
